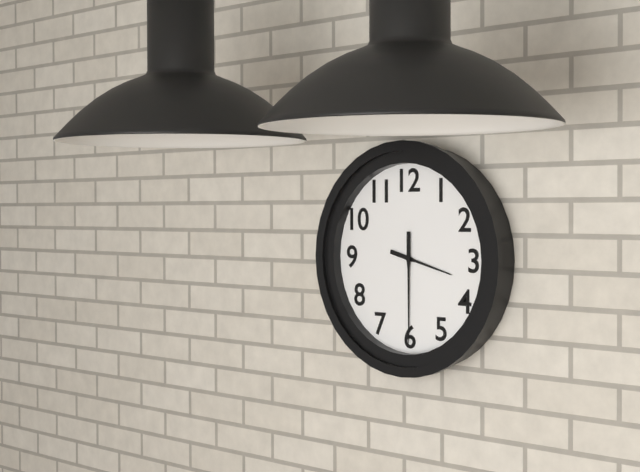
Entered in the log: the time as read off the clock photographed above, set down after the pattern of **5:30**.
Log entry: **3:30**
